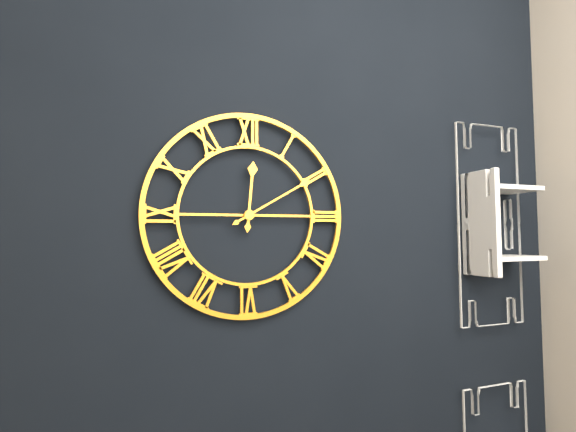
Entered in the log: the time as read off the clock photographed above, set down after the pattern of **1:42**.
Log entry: **12:10**
